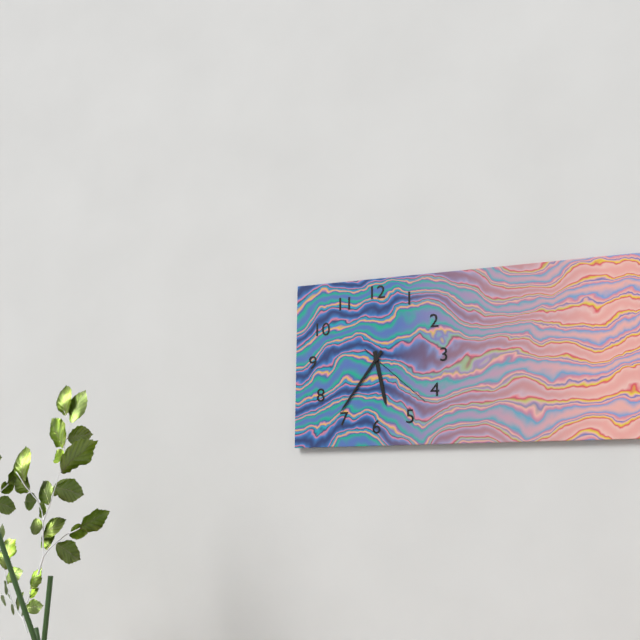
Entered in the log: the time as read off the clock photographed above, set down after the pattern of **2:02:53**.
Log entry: **5:36:22**
